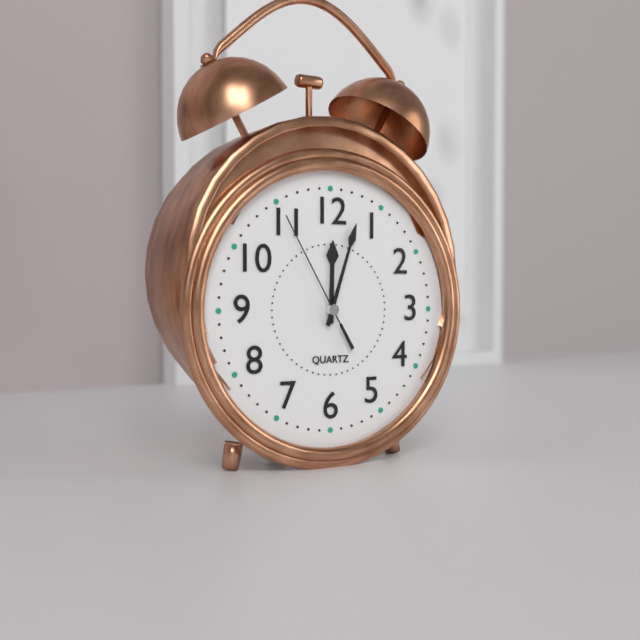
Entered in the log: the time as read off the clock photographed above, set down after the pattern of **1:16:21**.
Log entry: **12:03:55**
